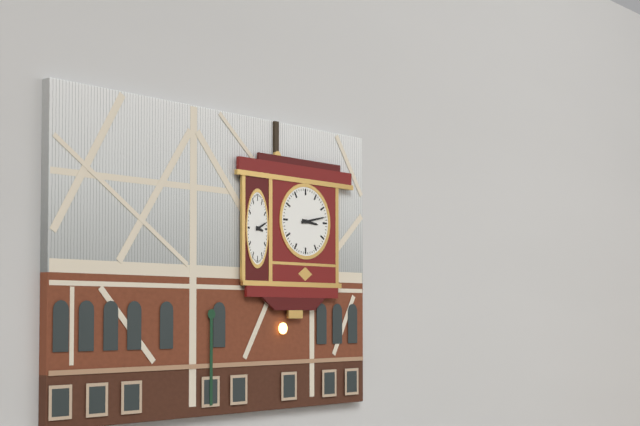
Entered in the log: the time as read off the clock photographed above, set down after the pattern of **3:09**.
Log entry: **3:13**
